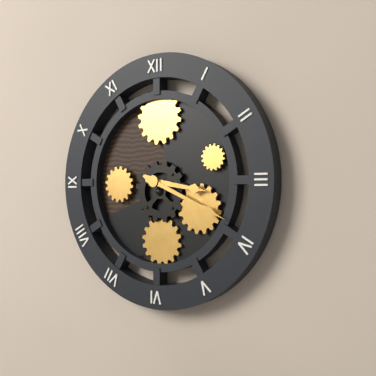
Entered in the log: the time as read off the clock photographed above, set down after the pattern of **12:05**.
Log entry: **3:19**
